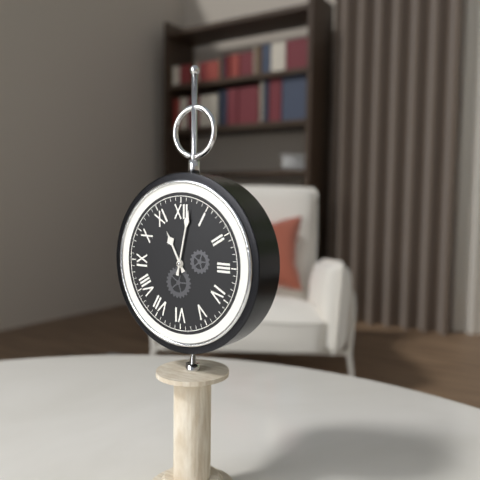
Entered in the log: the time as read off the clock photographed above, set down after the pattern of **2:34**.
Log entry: **11:02**
